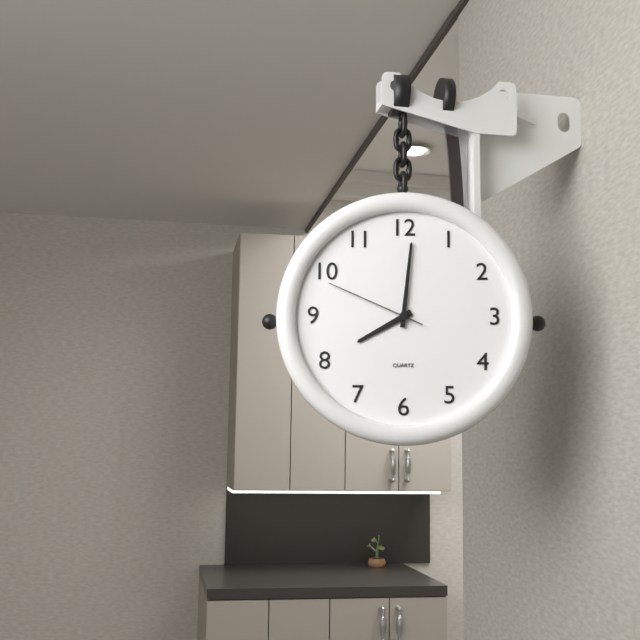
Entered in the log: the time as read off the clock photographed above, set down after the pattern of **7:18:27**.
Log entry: **8:01:49**
